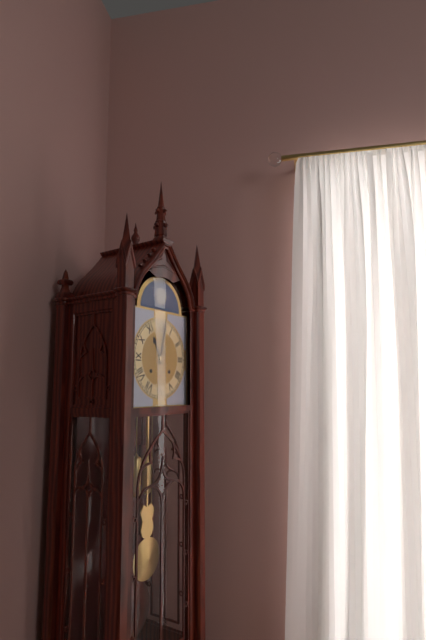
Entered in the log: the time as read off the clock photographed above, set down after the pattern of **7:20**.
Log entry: **11:02**
